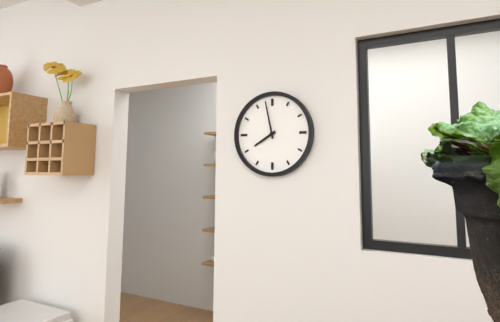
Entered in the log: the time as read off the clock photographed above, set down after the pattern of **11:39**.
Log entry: **7:58**
